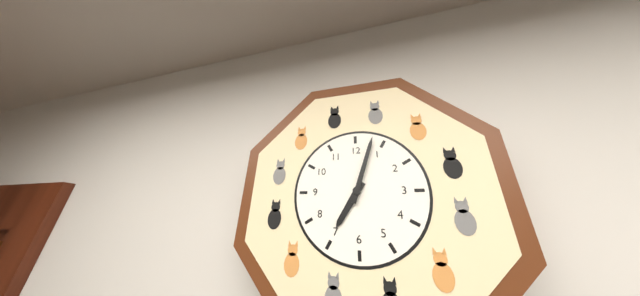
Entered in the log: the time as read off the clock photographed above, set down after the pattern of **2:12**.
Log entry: **7:03**
